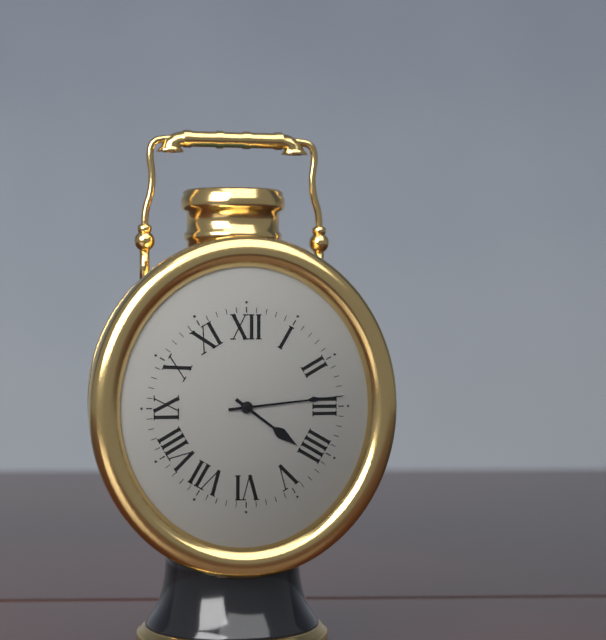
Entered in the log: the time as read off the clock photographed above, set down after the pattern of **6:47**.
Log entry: **4:14**
